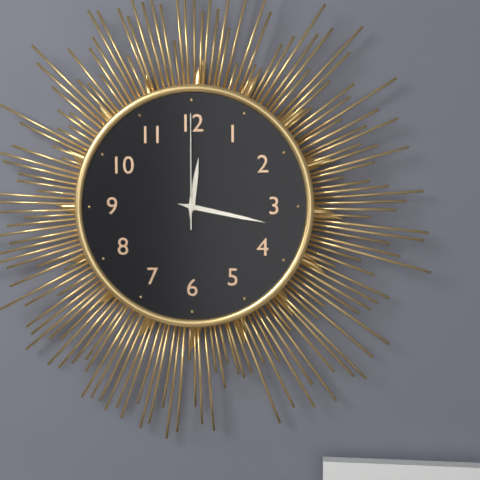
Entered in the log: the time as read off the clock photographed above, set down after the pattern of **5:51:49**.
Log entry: **12:17:00**
